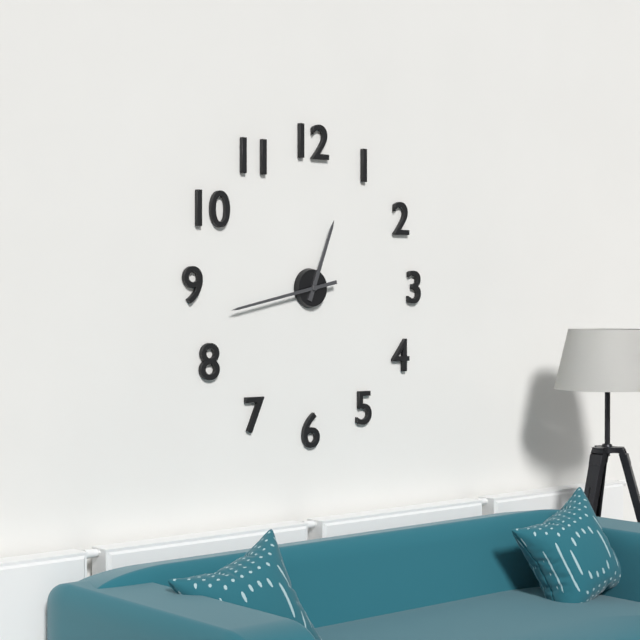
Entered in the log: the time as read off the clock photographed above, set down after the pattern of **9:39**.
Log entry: **12:43**
